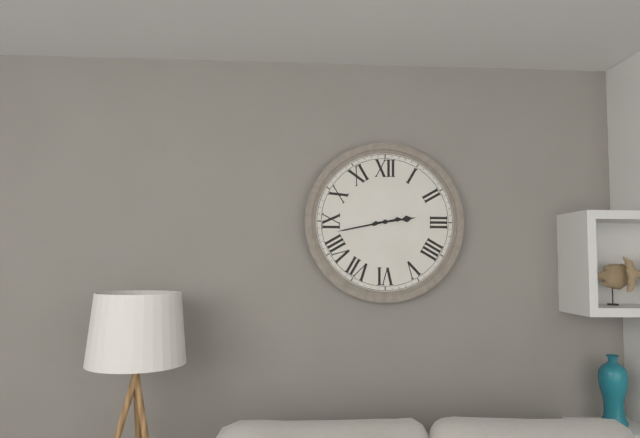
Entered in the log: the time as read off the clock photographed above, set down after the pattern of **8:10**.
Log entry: **2:43**
